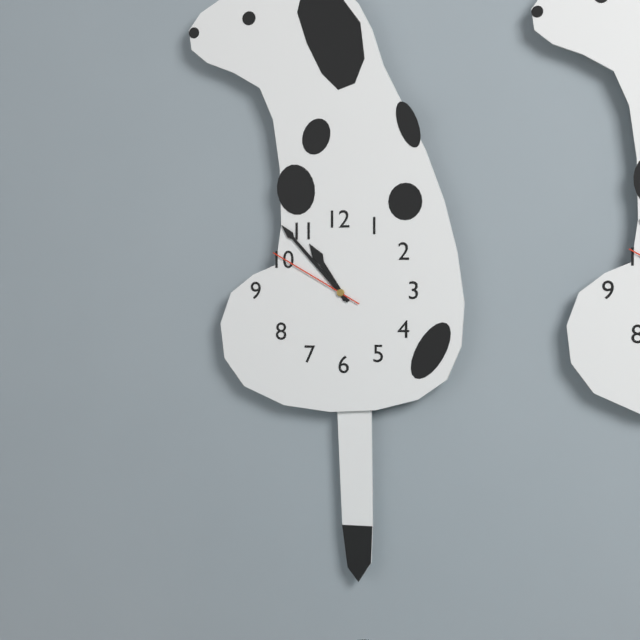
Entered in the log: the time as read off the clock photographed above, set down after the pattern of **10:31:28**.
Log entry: **10:53:50**
